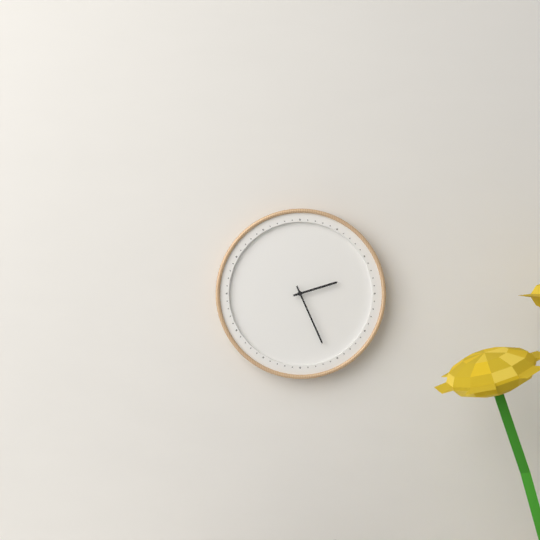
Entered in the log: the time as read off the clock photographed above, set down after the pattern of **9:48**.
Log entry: **2:26**
